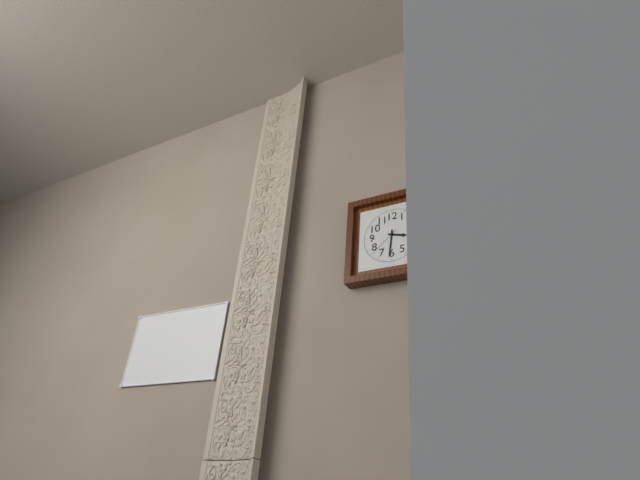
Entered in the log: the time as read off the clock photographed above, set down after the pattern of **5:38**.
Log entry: **3:31**
